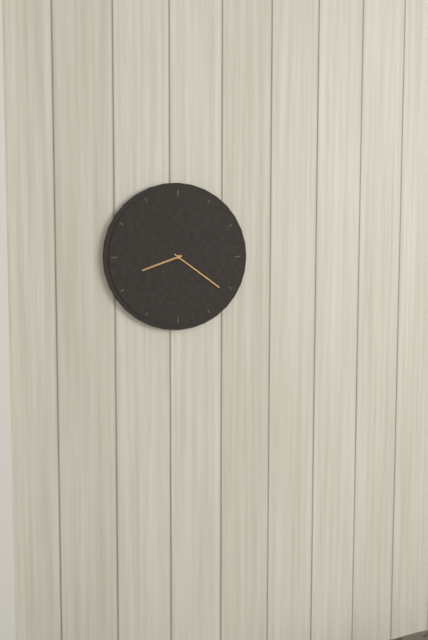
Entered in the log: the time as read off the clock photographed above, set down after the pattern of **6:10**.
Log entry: **8:21**
